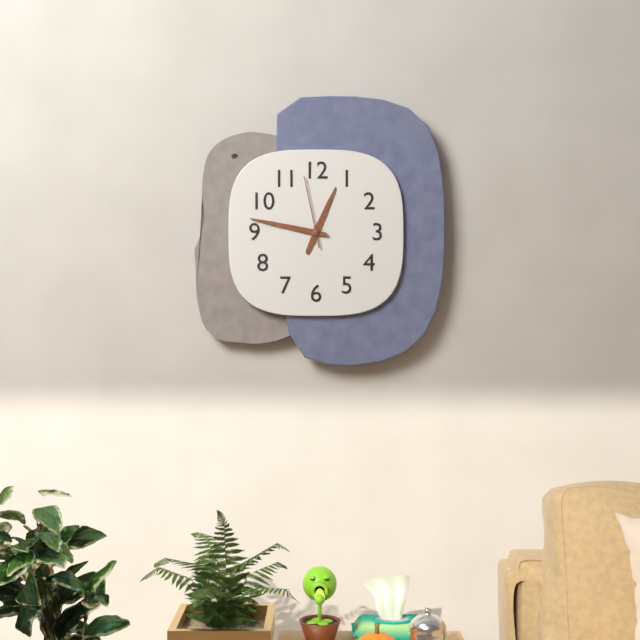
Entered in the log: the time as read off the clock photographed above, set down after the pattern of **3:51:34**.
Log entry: **12:47:58**
